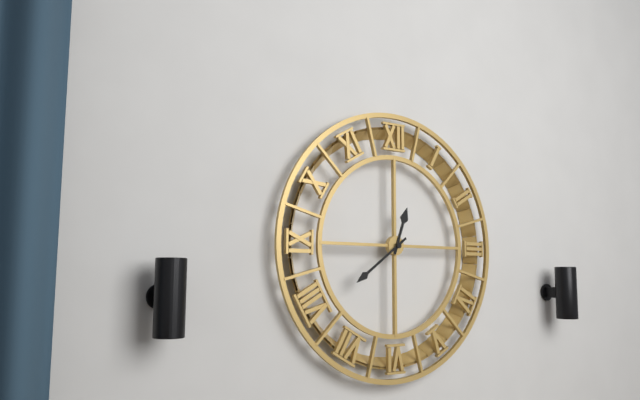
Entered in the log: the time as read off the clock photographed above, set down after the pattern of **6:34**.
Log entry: **12:39**
